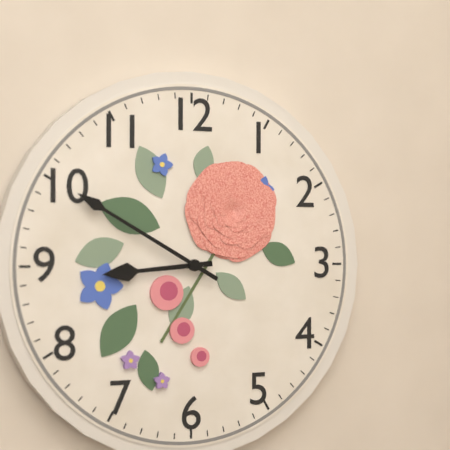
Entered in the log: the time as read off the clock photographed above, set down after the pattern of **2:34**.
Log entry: **8:50**
